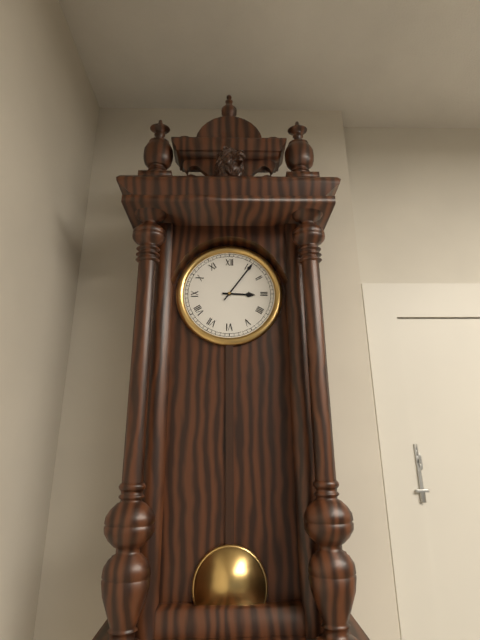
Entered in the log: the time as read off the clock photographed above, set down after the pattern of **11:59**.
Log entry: **3:06**
